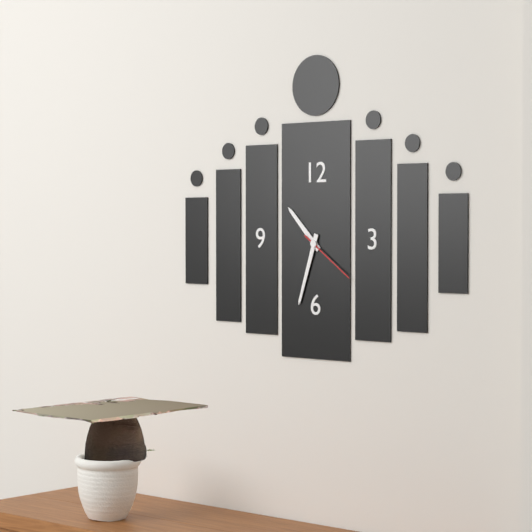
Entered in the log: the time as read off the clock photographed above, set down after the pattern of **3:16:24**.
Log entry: **10:33:21**
